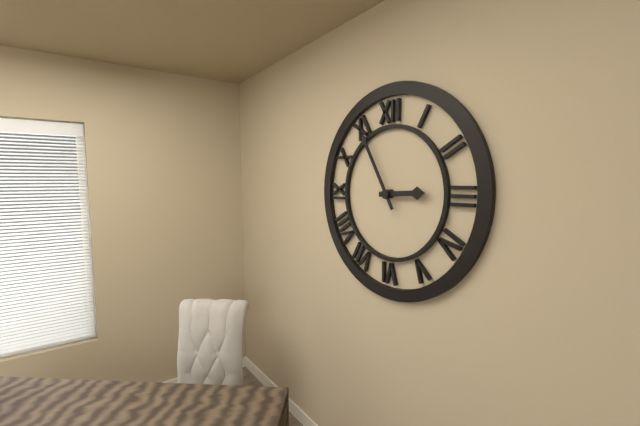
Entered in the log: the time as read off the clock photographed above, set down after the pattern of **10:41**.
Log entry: **2:55**
